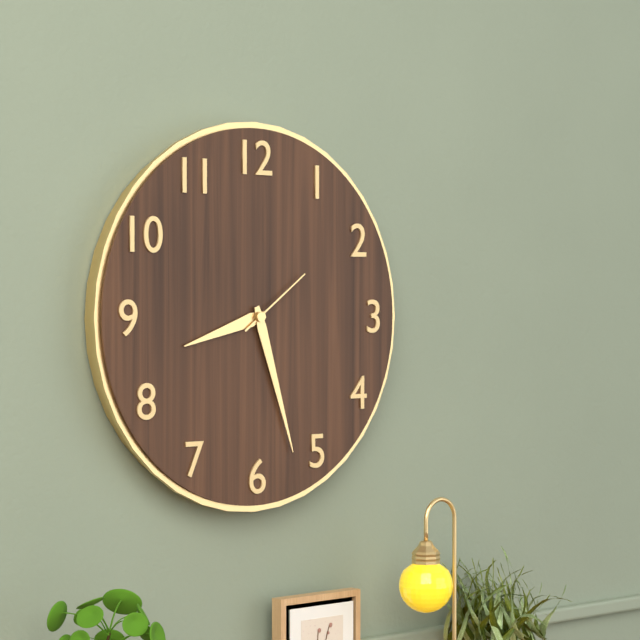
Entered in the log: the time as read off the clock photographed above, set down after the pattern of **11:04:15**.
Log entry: **8:27:09**
